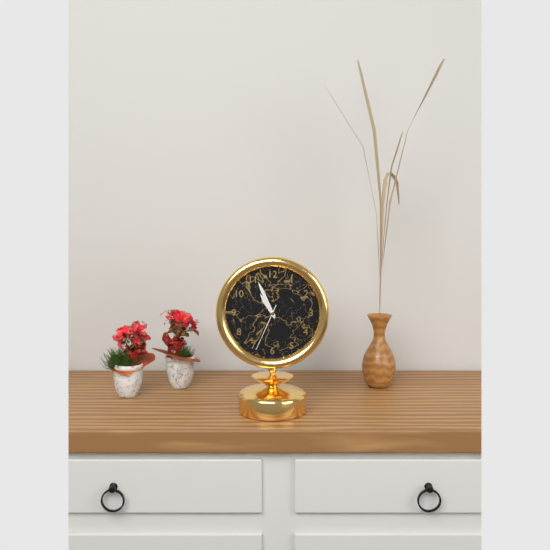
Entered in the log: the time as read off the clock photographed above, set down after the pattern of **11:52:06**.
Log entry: **10:56:34**
